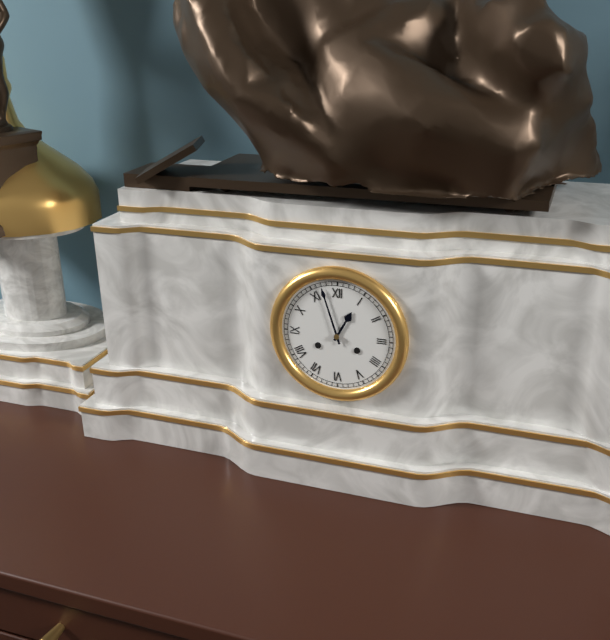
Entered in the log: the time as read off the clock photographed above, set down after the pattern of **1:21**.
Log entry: **12:57**
